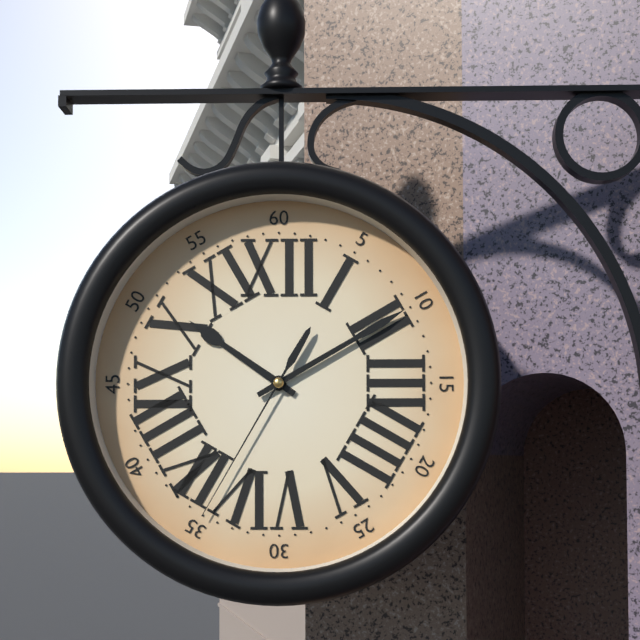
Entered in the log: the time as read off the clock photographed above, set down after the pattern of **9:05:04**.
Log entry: **10:10:35**
